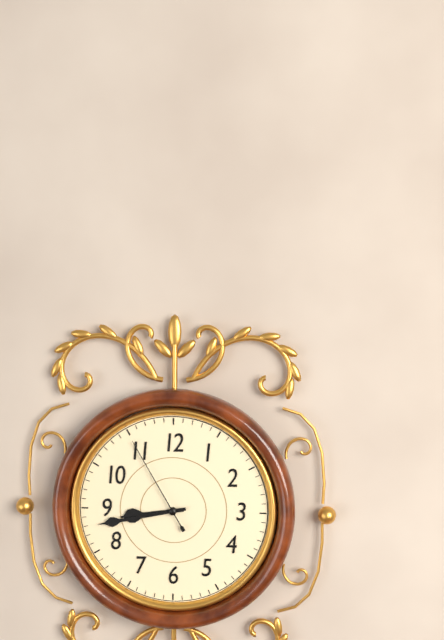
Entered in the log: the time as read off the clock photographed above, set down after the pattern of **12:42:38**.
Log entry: **8:43:55**
